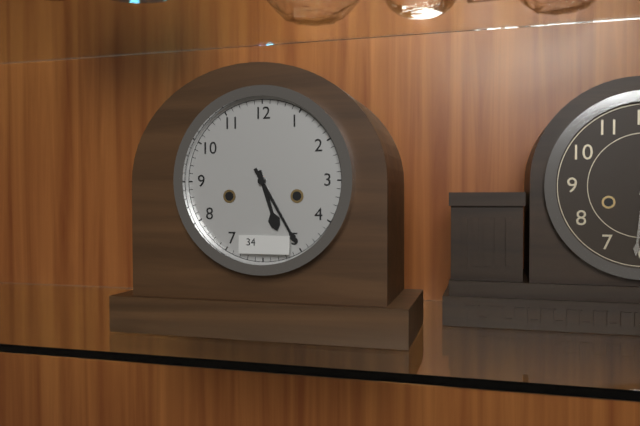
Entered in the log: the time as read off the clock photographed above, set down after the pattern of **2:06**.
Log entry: **5:25**
